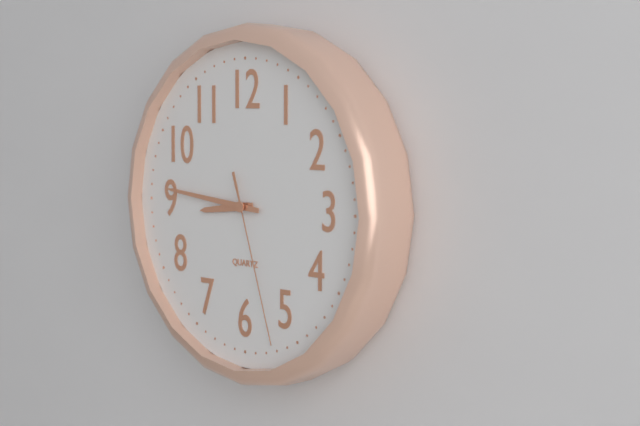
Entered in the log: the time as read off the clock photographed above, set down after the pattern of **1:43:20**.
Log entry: **8:46:27**
